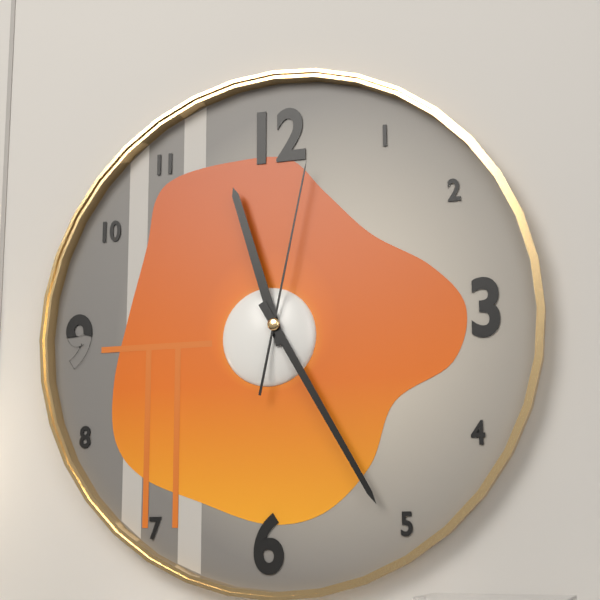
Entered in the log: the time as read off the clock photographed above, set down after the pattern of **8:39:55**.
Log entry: **11:25:02**
